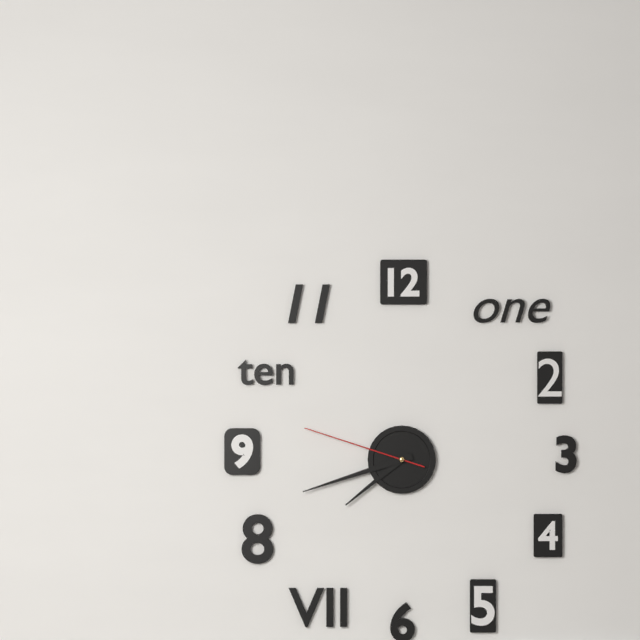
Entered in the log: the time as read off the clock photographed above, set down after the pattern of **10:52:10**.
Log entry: **7:42:48**
